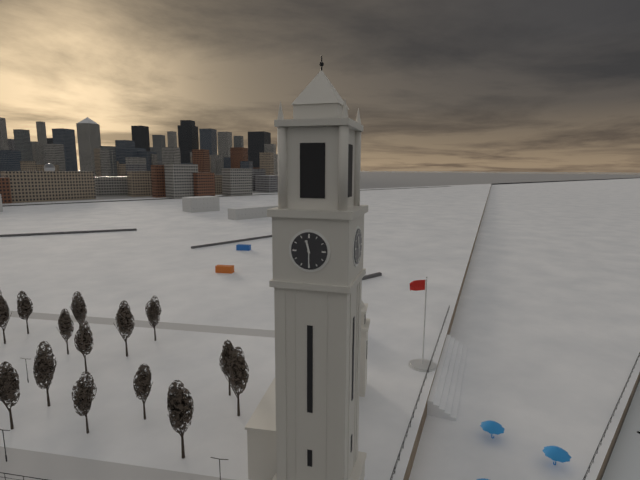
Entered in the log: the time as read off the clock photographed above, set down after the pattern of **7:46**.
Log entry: **11:30**
